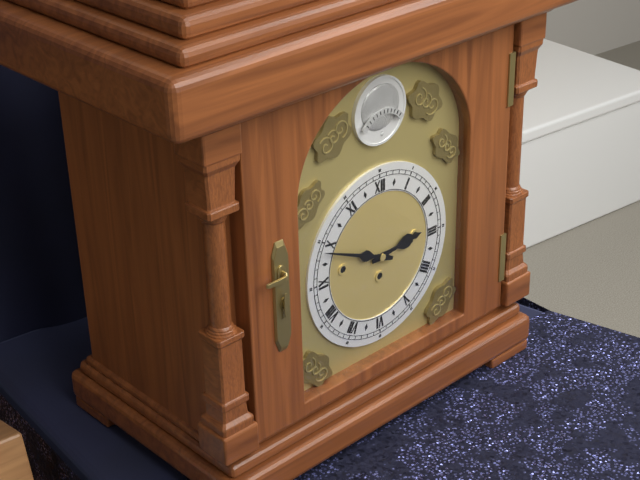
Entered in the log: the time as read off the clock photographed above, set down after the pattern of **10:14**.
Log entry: **2:49**
